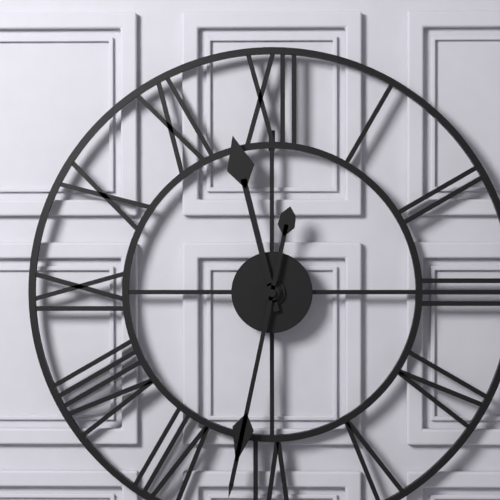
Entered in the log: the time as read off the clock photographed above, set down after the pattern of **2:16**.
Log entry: **11:32**
